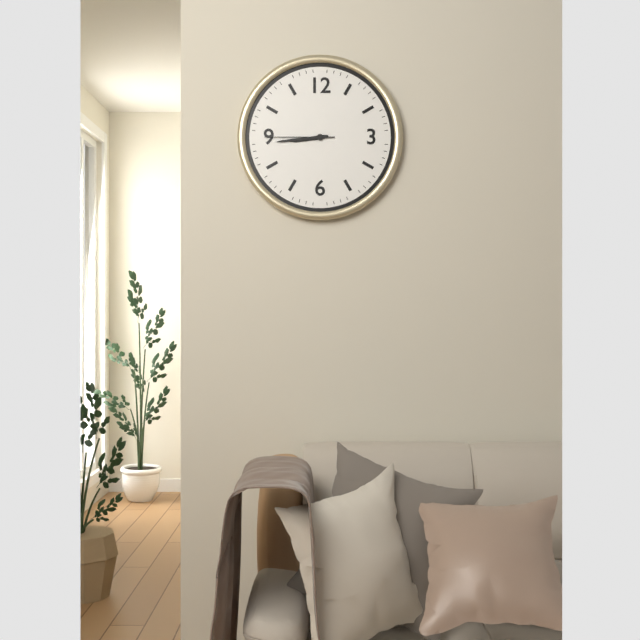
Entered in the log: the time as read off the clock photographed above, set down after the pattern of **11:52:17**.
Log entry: **8:44:45**
